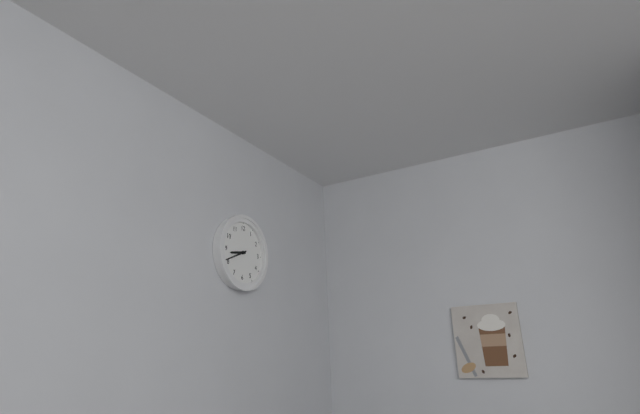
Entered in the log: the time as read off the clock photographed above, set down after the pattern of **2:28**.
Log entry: **8:41**
